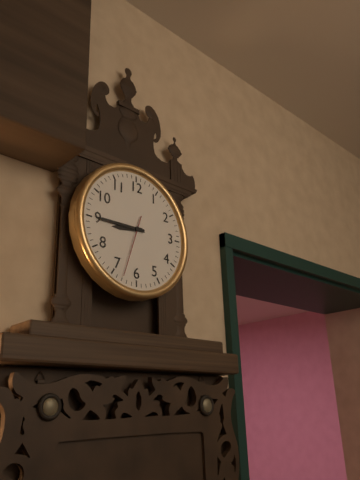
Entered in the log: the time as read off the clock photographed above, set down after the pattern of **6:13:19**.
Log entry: **8:45:33**
